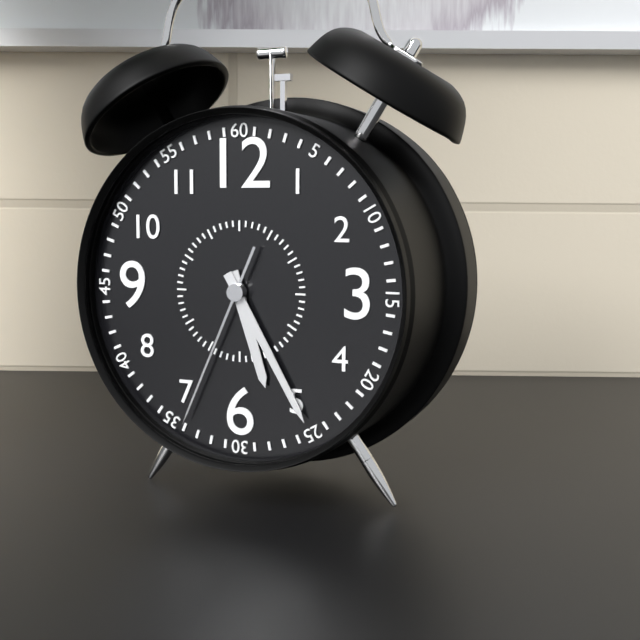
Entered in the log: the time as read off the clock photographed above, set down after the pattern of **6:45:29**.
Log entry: **5:25:34**
